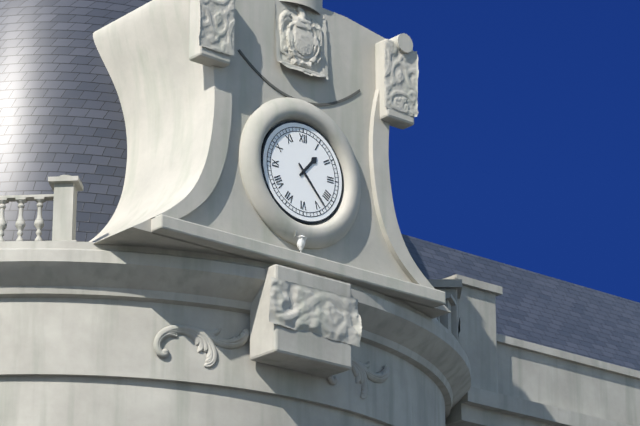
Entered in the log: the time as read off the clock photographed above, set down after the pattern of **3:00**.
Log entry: **1:23**
